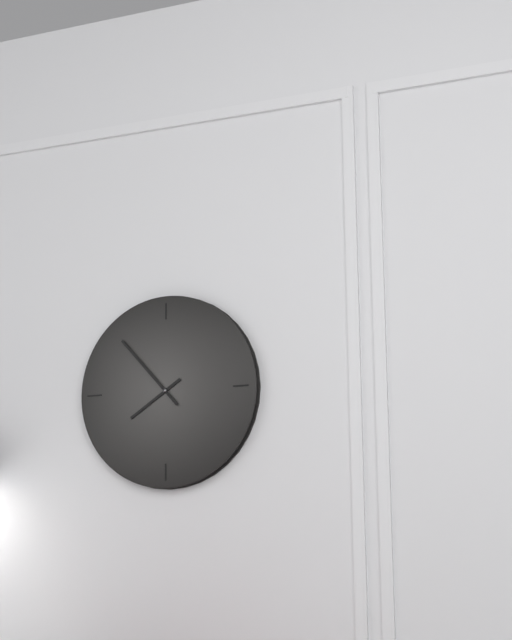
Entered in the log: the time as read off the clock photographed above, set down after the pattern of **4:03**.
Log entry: **7:53**
